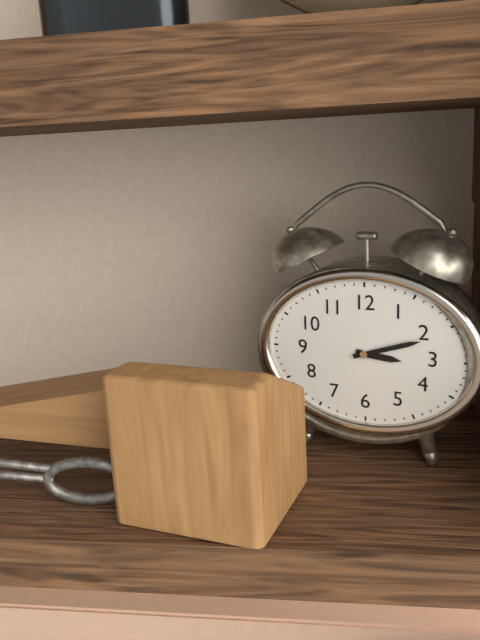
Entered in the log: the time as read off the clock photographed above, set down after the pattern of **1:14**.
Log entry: **3:12**
